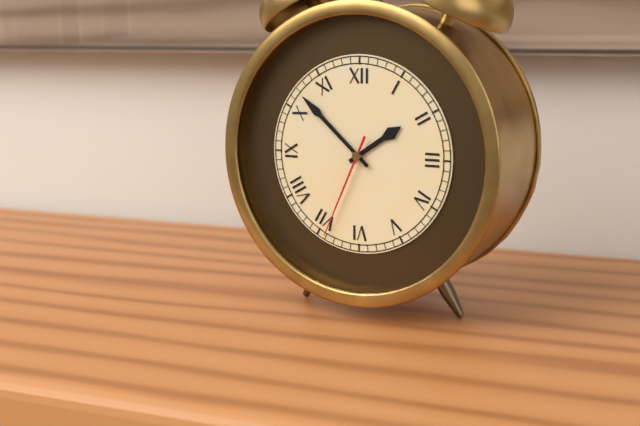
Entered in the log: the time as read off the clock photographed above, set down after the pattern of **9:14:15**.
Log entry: **1:52:34**
